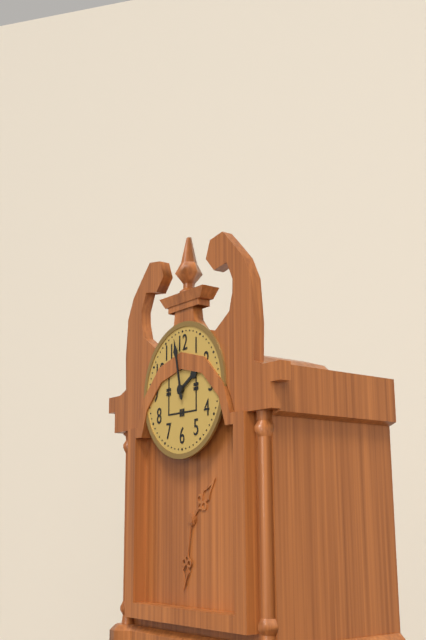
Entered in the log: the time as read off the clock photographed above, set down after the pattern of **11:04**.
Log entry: **1:58**
